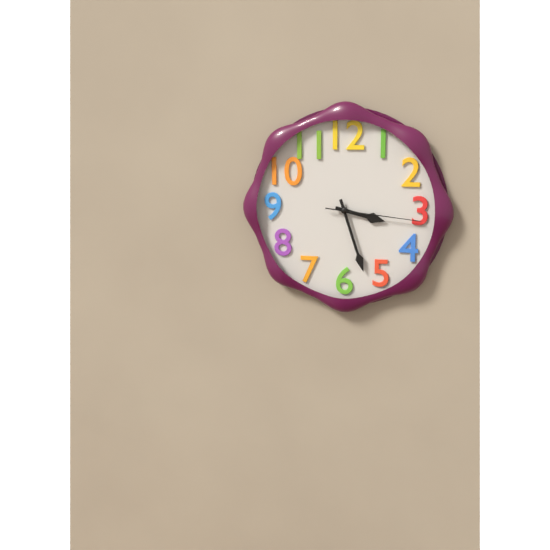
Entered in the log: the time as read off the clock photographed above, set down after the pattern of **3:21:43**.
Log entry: **3:27:16**
